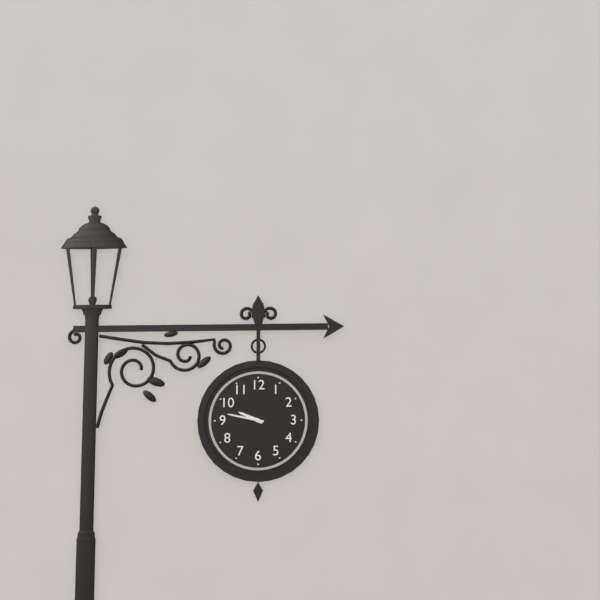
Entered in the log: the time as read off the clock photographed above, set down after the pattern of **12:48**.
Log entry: **9:47**
